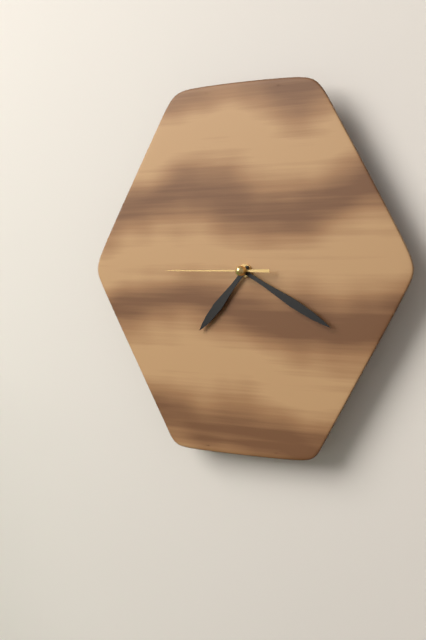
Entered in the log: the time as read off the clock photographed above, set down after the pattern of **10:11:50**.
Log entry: **7:20:45**
